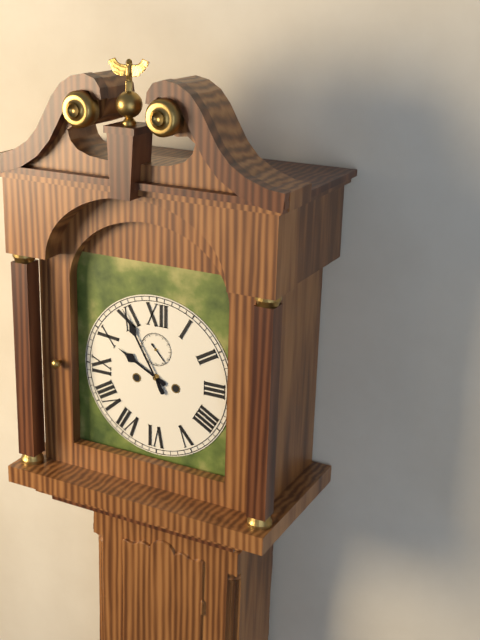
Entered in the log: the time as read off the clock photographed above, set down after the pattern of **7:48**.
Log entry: **9:55**
